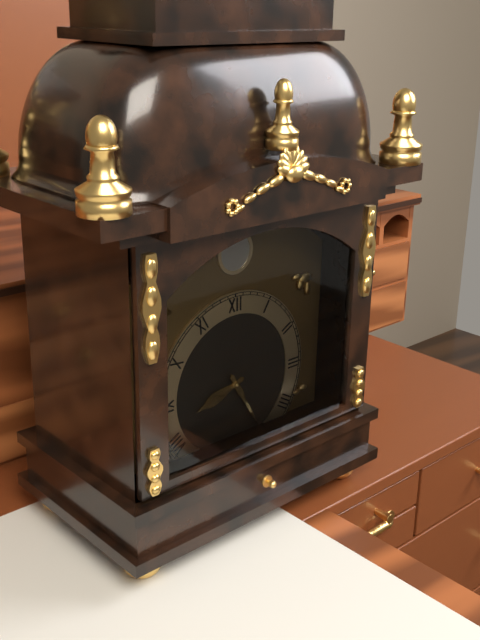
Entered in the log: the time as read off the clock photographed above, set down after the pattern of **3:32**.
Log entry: **8:25**
